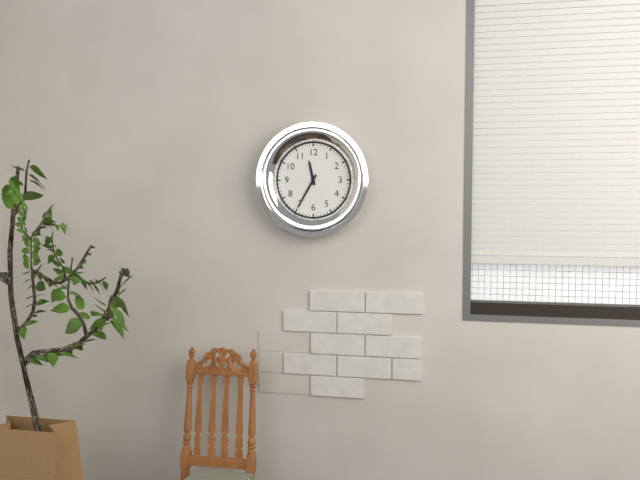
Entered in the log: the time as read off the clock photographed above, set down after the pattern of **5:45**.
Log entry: **11:35**
